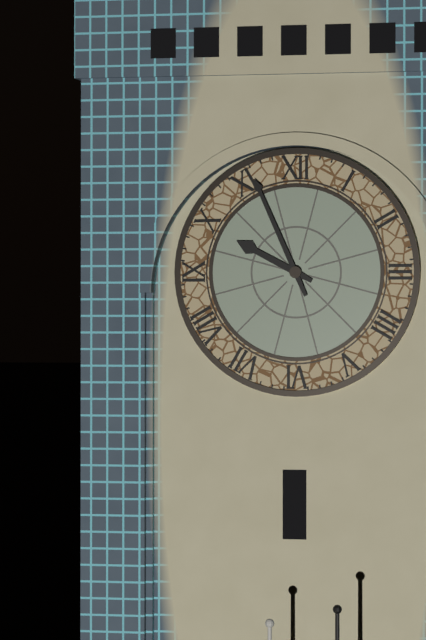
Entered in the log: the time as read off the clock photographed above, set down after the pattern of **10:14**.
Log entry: **9:56**
